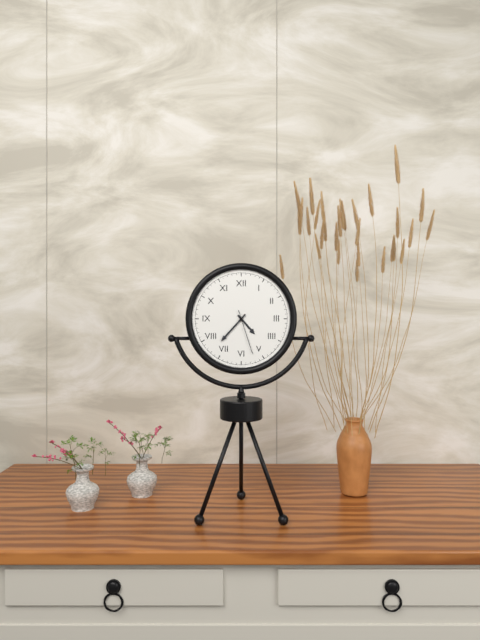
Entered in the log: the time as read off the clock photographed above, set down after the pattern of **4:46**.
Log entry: **4:37**
